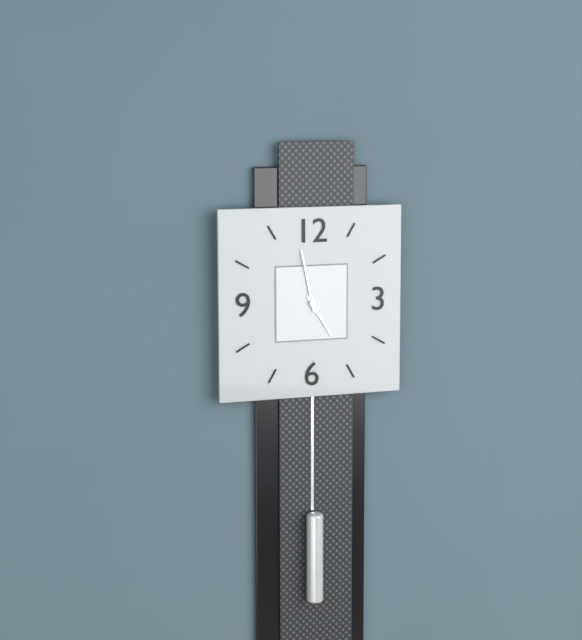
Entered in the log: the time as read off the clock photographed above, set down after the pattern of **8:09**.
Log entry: **4:58**
